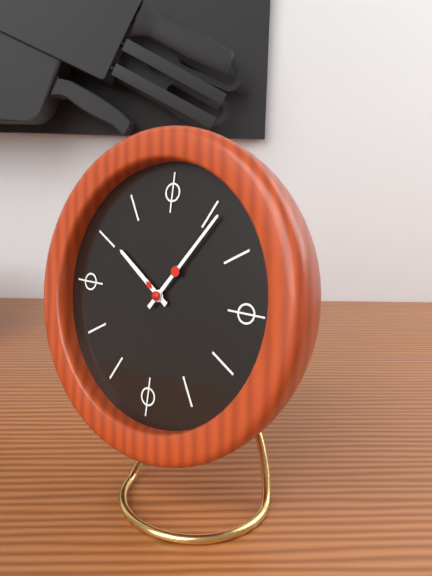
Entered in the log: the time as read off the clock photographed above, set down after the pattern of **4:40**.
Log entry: **10:06**
